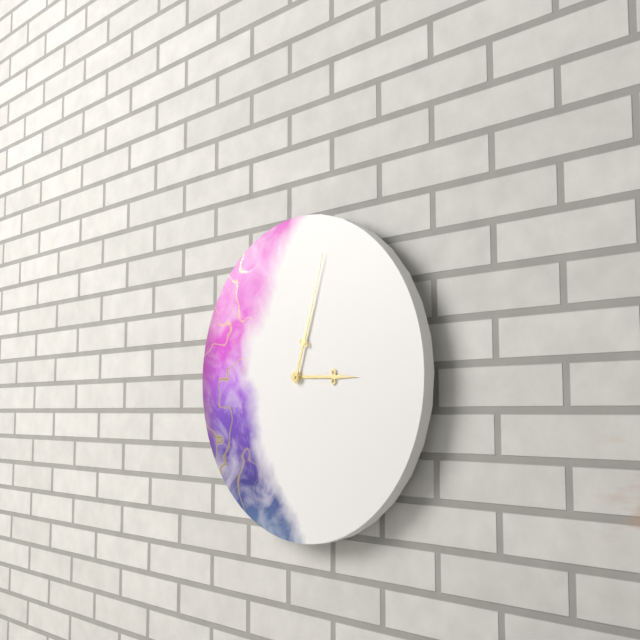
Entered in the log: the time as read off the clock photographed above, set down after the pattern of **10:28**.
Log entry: **3:03**
